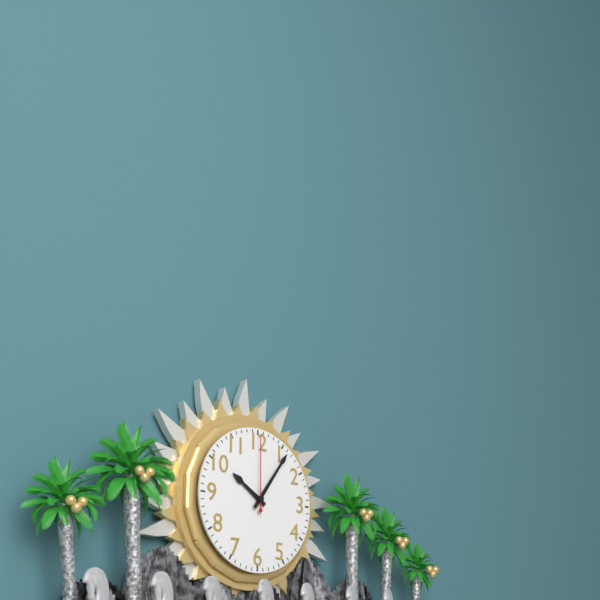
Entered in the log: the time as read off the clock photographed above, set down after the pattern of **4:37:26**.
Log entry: **10:06:00**
